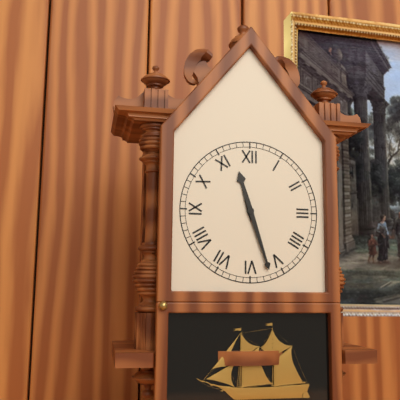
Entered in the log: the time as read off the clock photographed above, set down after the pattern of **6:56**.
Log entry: **11:27**
